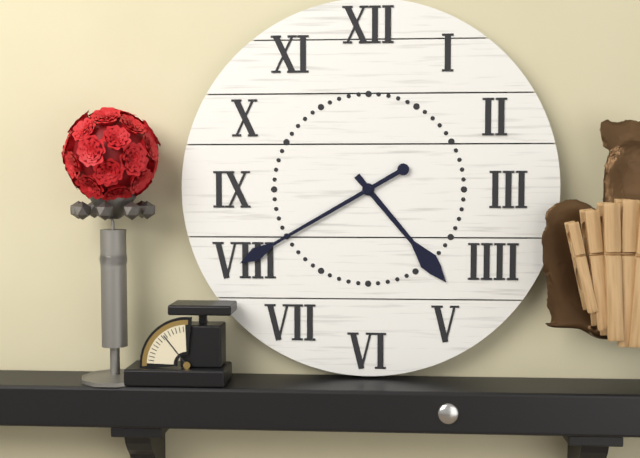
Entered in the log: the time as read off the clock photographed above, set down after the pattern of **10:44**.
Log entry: **4:40**
